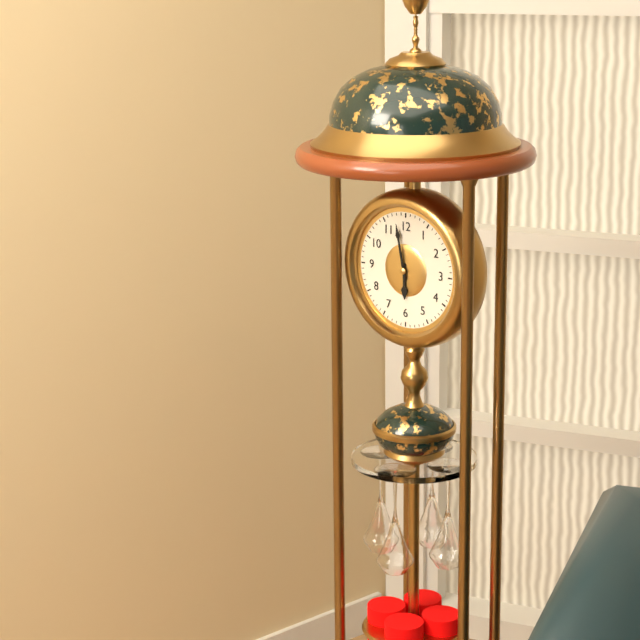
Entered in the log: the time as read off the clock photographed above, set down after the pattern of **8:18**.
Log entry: **5:58**
